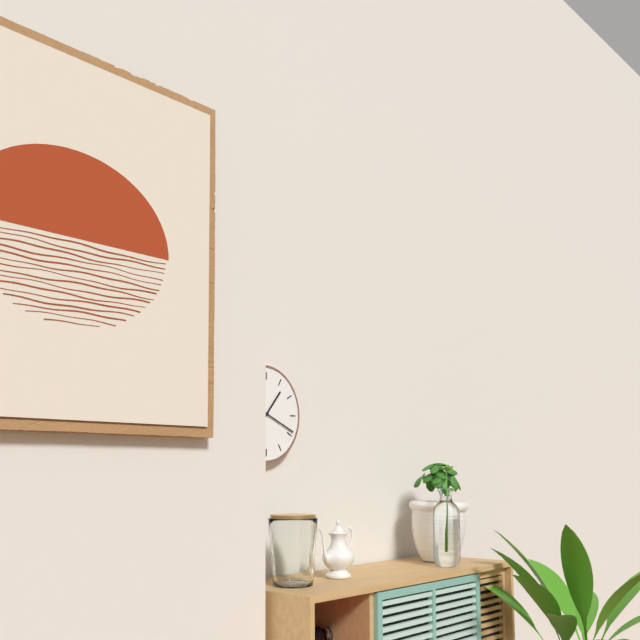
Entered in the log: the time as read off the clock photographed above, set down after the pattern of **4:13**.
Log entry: **1:19**
